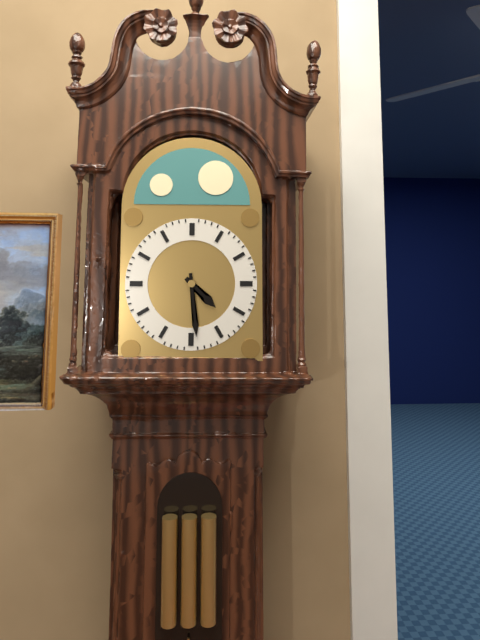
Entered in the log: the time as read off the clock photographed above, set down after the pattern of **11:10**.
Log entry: **4:29**
